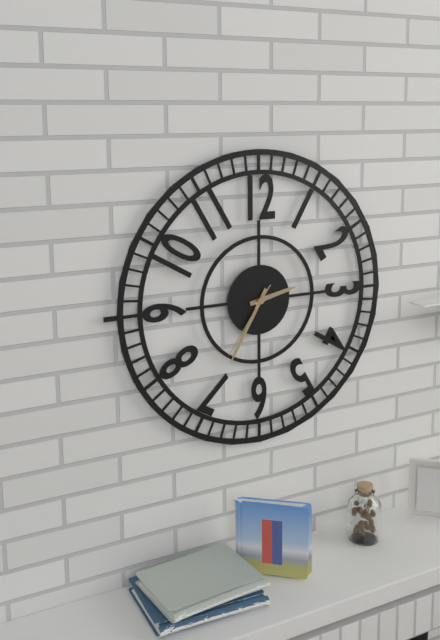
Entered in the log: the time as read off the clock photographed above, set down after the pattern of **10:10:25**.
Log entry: **2:35:36**
